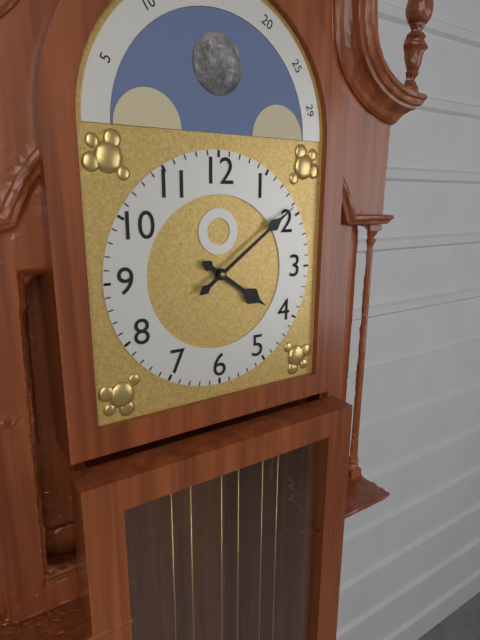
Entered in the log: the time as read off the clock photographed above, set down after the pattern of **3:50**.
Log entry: **4:09**
